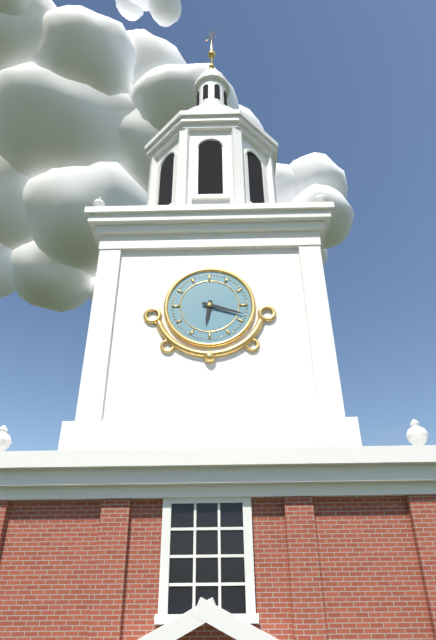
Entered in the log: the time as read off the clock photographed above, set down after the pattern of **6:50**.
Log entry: **6:18**
